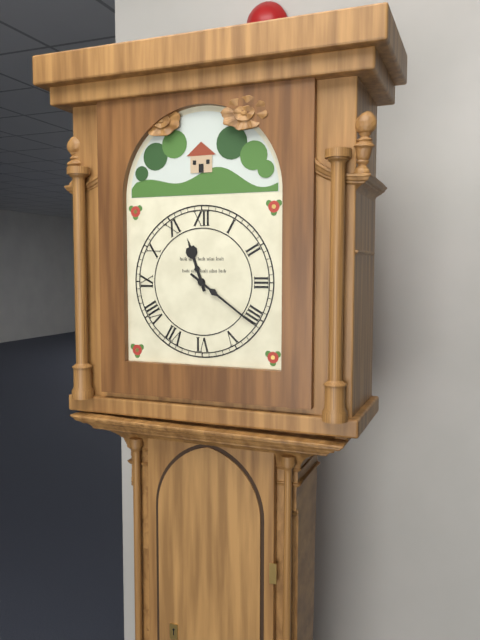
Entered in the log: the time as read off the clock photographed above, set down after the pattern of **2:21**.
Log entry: **11:21**
